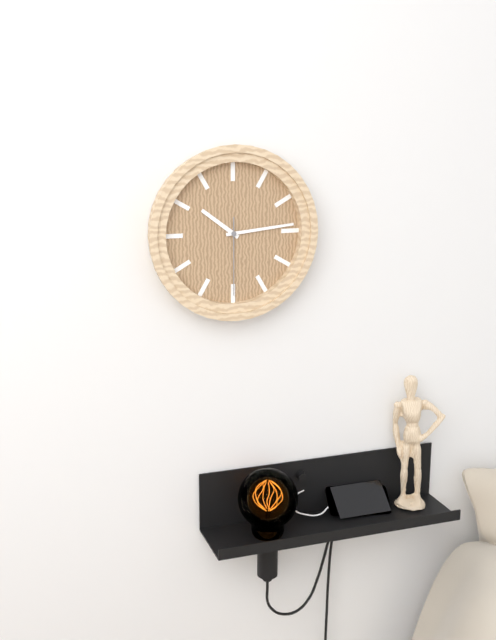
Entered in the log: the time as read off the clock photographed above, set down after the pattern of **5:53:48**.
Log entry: **10:14:30**
